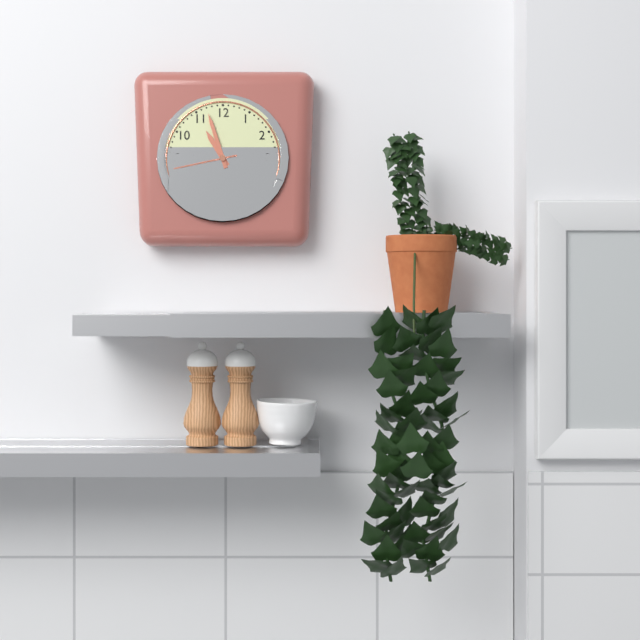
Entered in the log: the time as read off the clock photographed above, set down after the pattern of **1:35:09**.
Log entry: **10:57:43**
